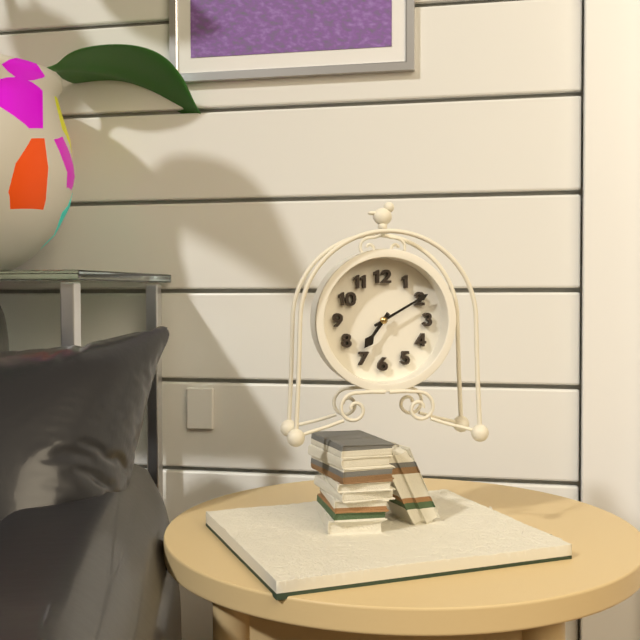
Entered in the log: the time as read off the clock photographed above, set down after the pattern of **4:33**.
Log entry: **7:10**
